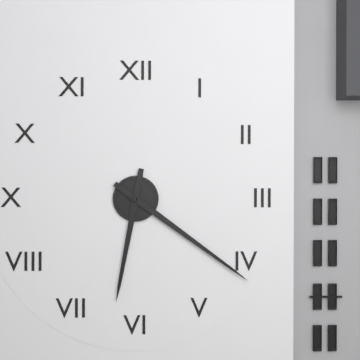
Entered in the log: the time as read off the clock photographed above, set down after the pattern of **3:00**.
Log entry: **6:21**
